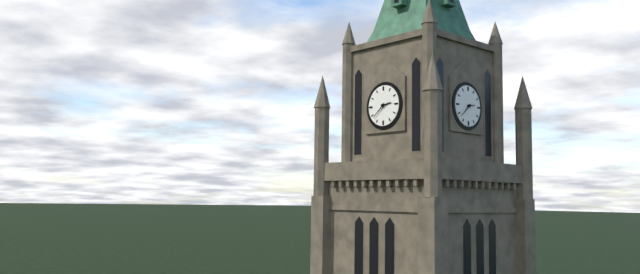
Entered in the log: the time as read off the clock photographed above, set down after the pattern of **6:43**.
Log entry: **2:38**
